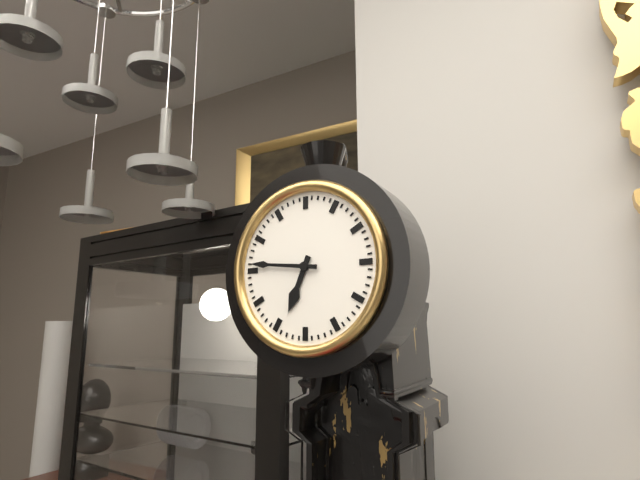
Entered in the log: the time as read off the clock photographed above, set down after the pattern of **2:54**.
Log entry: **6:46**
